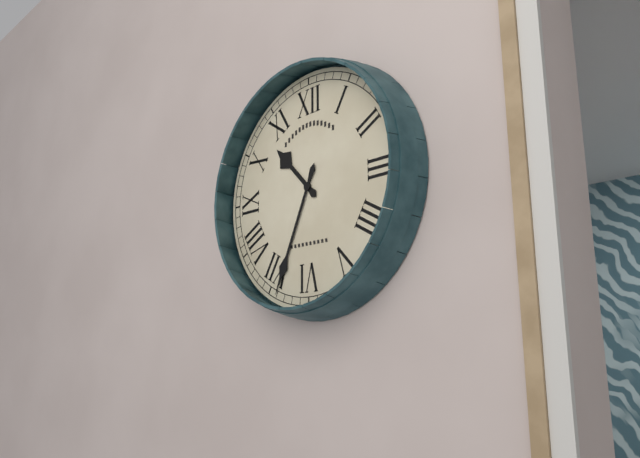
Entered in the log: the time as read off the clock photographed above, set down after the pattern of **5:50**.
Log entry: **10:34**
